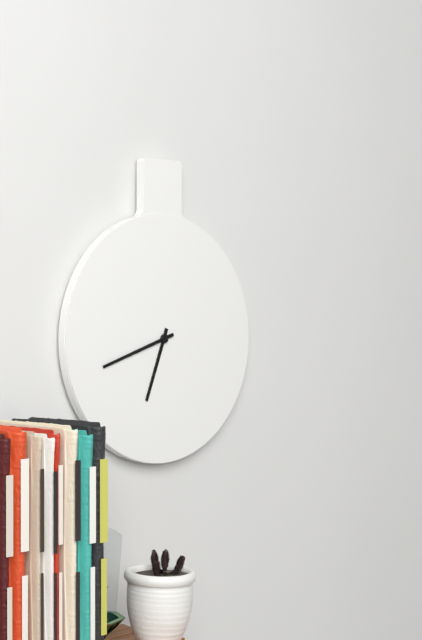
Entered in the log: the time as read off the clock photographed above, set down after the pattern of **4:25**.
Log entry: **6:42**
